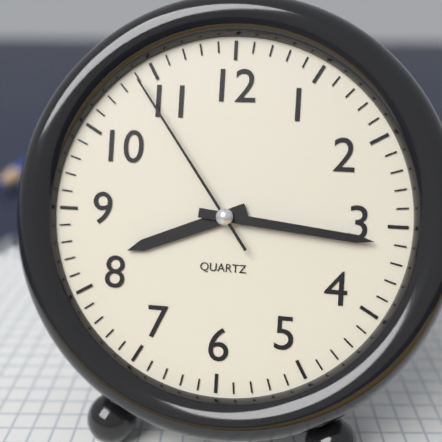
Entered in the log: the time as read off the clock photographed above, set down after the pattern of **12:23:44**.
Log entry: **8:16:54**
